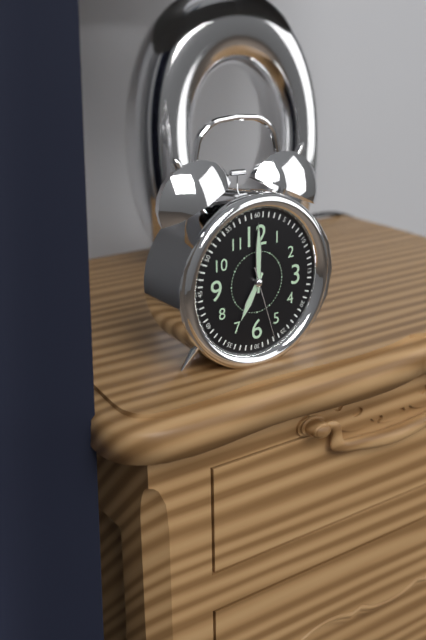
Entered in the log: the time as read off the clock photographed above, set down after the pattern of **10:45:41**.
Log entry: **7:00:27**
